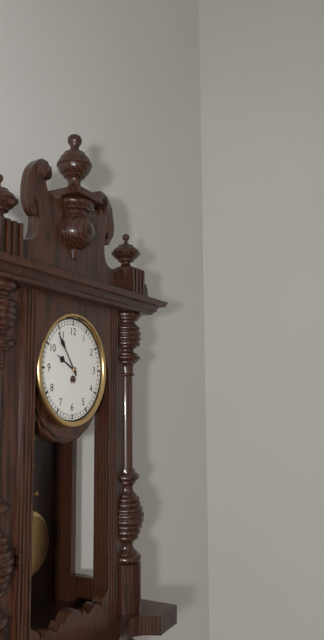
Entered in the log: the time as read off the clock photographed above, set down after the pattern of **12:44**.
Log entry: **9:54**
